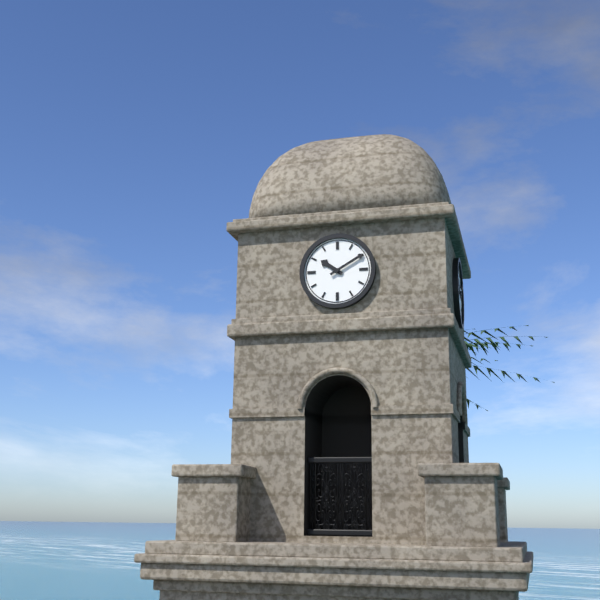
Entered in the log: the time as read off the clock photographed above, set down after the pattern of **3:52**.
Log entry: **10:10**
